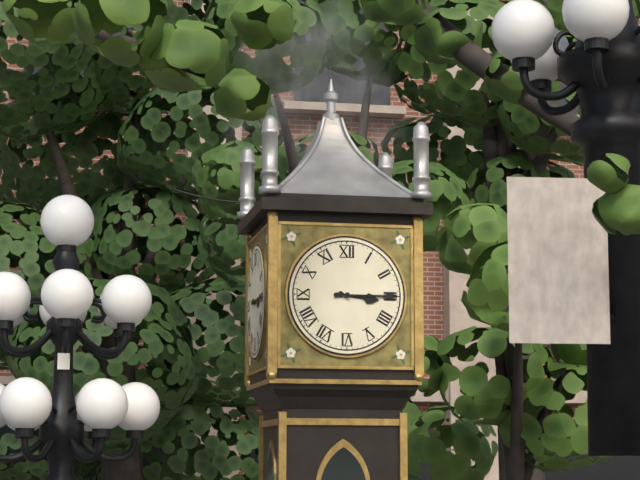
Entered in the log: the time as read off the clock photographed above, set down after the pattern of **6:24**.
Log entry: **3:15**
